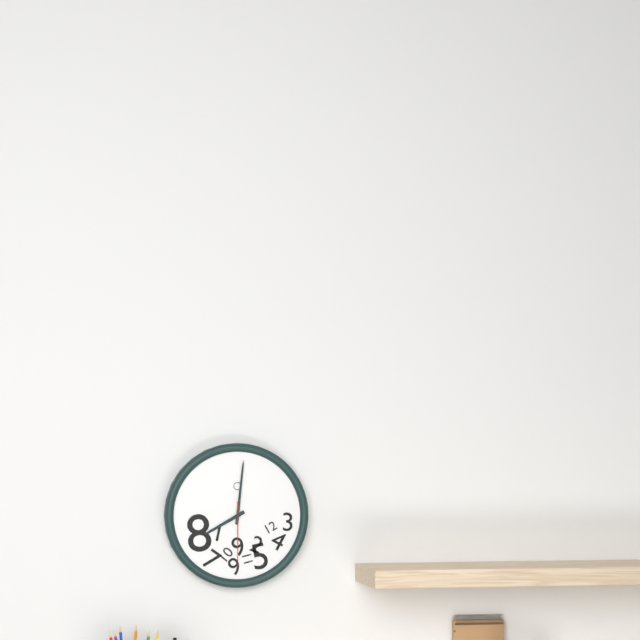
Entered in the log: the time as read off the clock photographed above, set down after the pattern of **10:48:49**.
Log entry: **8:01:30**
